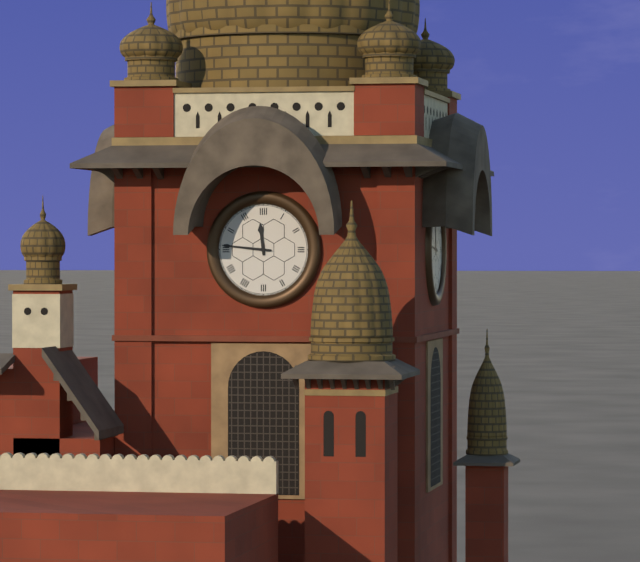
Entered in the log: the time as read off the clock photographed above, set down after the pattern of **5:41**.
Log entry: **11:46**
